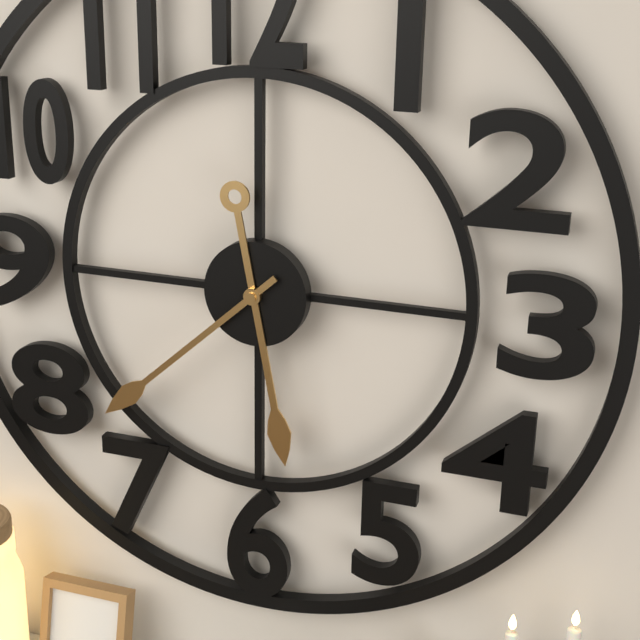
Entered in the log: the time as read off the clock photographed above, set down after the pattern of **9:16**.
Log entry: **5:38**
